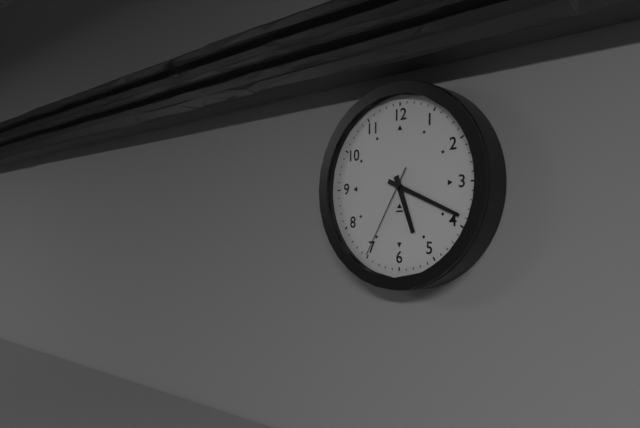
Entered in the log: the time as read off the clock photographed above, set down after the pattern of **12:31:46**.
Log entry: **5:19:35**
